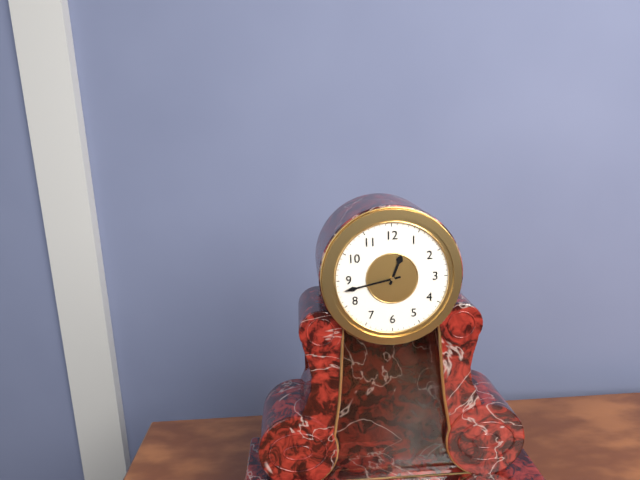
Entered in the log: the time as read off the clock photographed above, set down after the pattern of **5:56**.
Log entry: **12:43**
